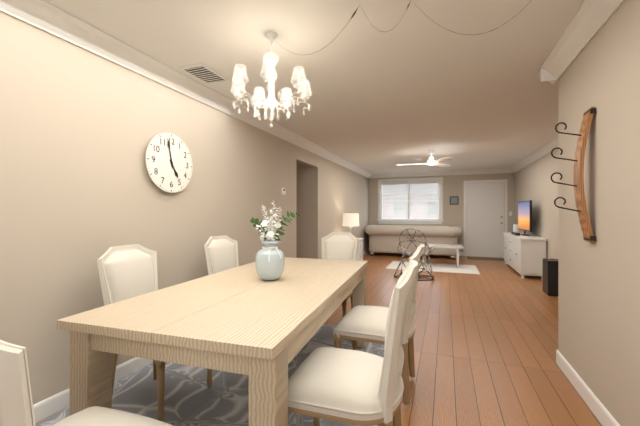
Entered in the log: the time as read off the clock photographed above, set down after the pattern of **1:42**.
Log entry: **4:58**
